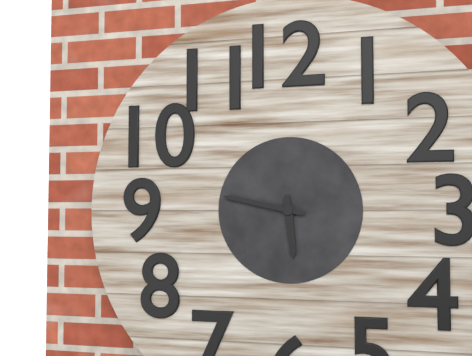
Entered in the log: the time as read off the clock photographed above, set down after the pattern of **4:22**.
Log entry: **5:47**
